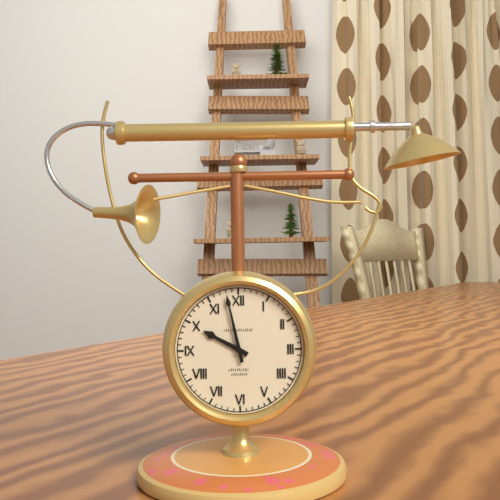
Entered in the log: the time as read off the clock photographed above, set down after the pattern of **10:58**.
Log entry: **9:58**
